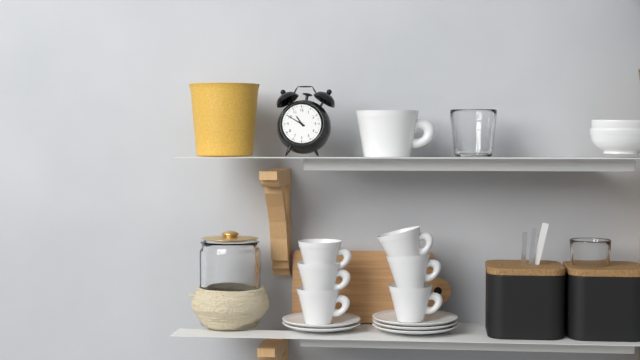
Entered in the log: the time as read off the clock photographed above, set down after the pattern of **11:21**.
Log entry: **10:50**
